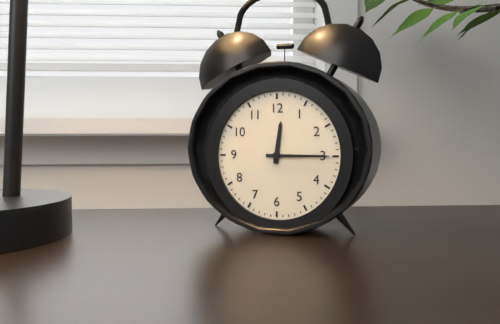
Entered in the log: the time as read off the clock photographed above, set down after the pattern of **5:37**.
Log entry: **12:15**
